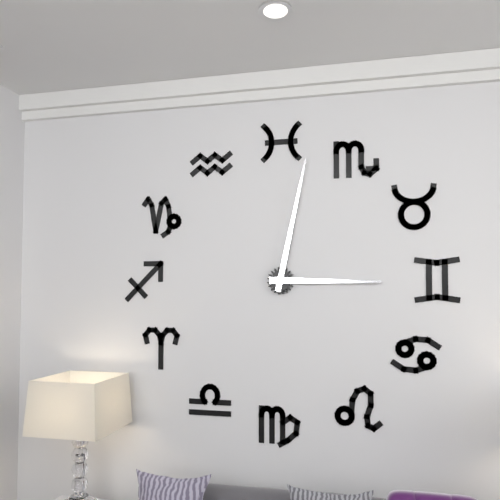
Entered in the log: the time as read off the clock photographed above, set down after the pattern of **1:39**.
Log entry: **3:02**
